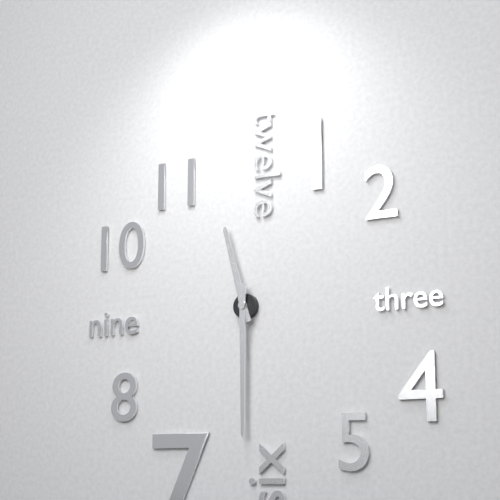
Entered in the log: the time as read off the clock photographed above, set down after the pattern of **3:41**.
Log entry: **11:30**
